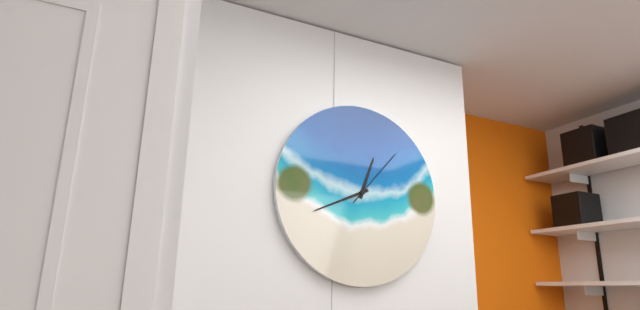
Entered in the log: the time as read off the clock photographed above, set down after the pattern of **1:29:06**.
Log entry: **12:41:07**
